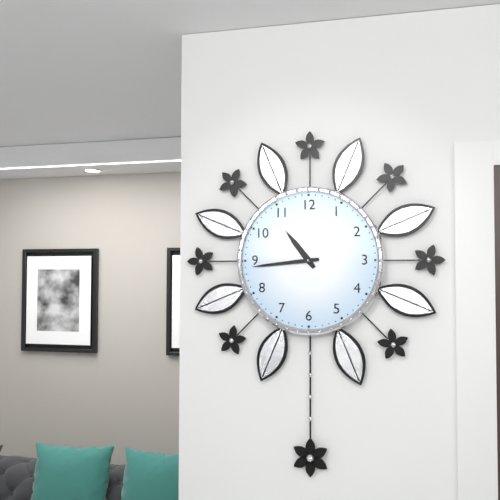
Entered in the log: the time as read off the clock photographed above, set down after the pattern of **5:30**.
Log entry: **10:44**
